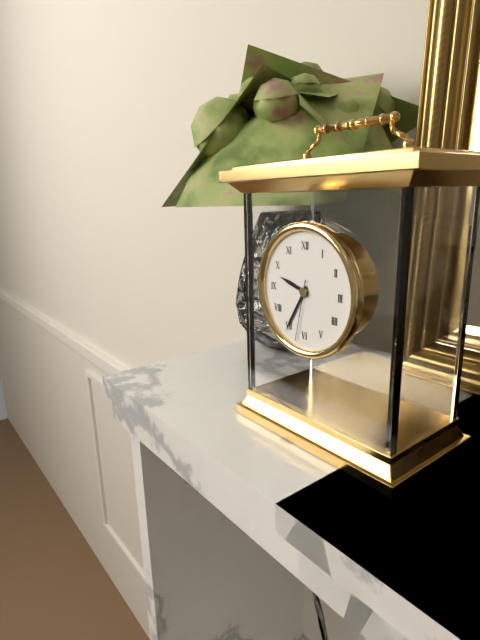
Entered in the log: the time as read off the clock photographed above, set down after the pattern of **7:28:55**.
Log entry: **9:35:32**
